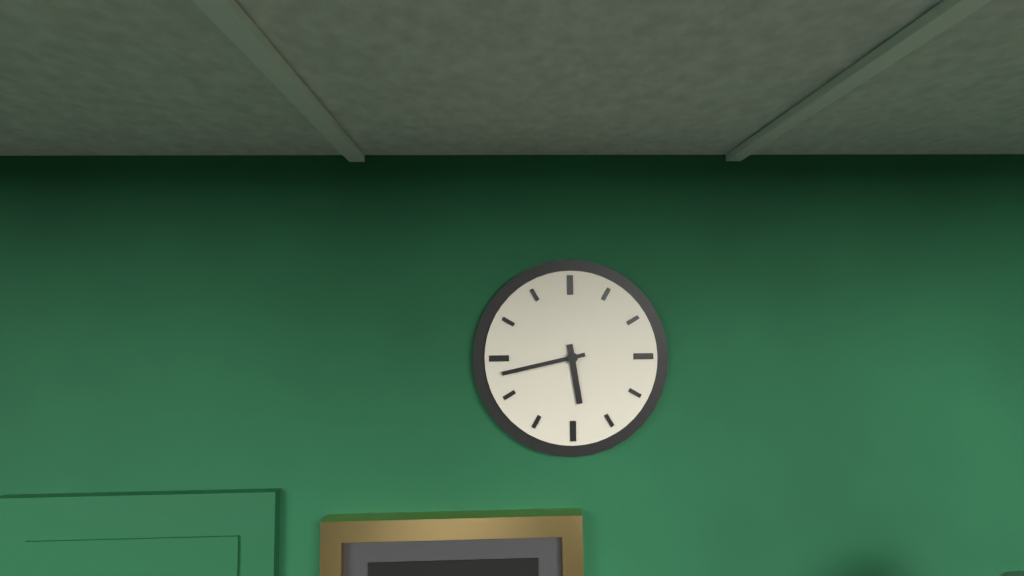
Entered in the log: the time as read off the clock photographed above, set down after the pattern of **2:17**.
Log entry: **5:43**
